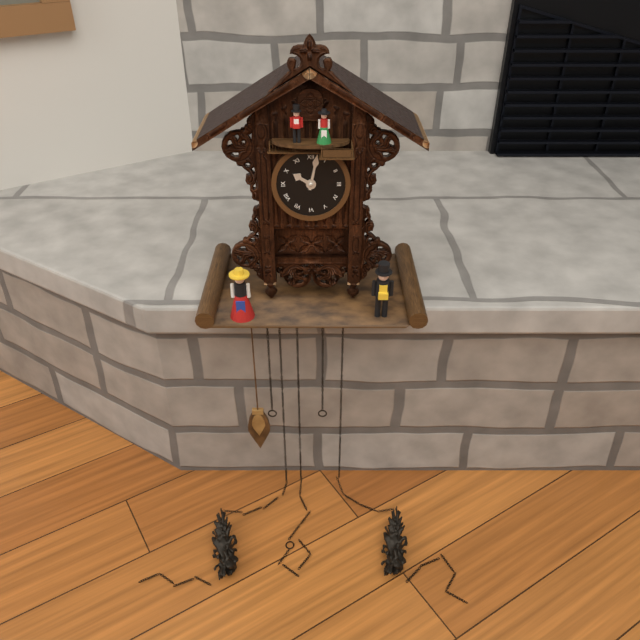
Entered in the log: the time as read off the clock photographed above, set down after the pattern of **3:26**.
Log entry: **10:02**
